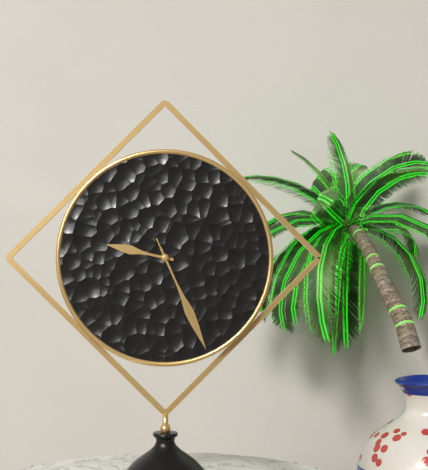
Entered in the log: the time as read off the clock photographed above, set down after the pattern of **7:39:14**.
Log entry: **9:26:26**
